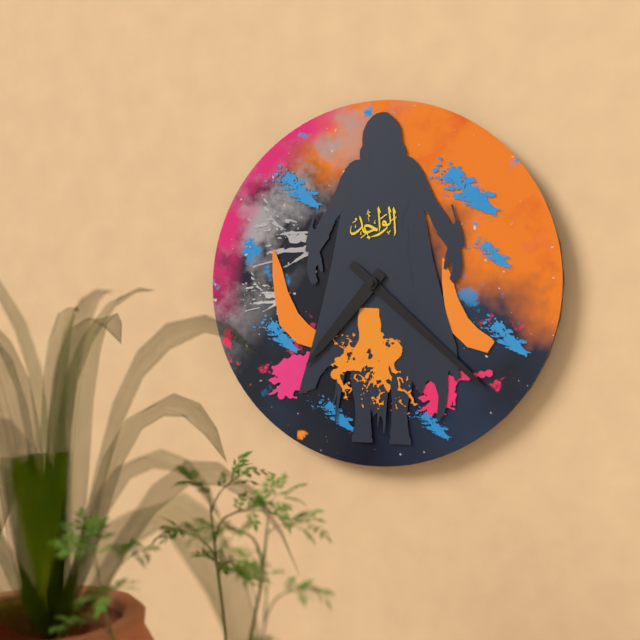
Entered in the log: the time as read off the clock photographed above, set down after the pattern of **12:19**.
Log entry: **7:22**
